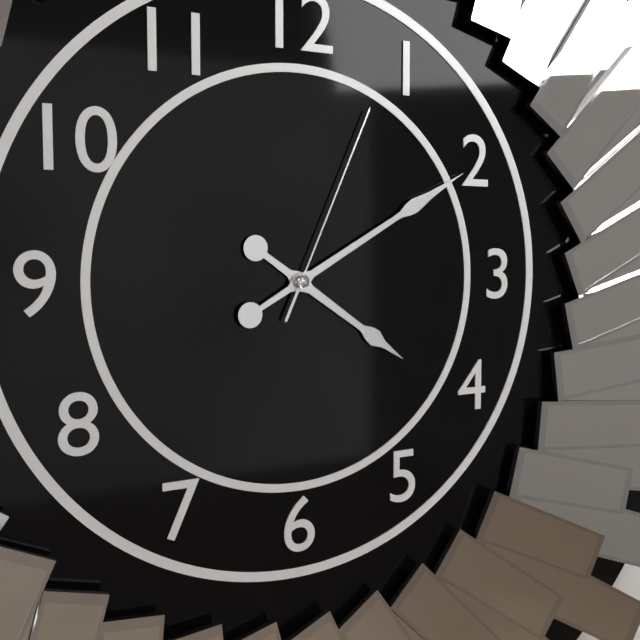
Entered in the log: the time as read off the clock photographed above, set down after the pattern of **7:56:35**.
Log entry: **4:10:04**
